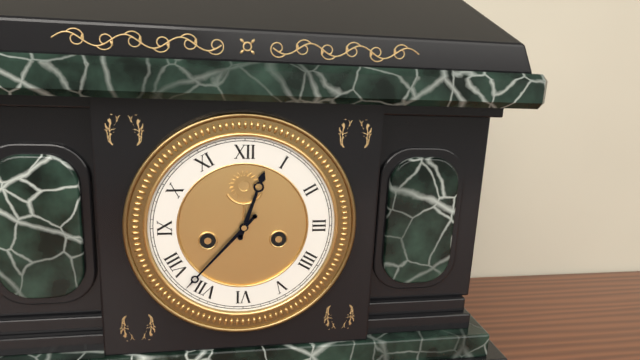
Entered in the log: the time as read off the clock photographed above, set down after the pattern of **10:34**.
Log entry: **12:37**
